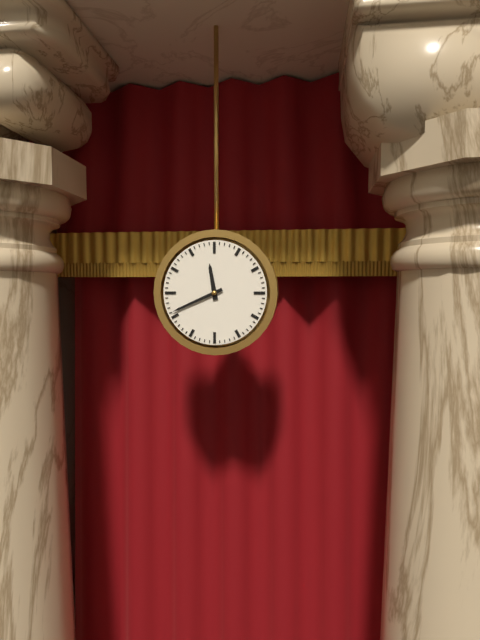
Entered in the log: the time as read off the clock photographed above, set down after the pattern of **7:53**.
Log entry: **11:41**
